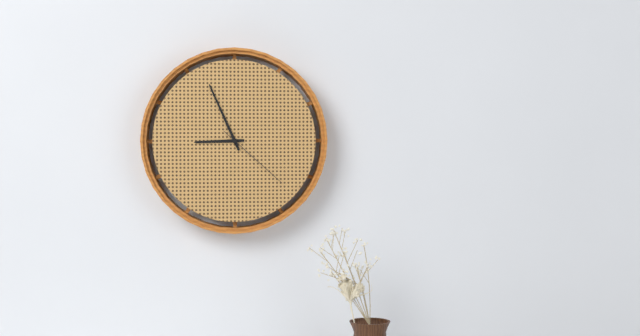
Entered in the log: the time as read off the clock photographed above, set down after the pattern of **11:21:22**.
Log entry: **8:56:22**
